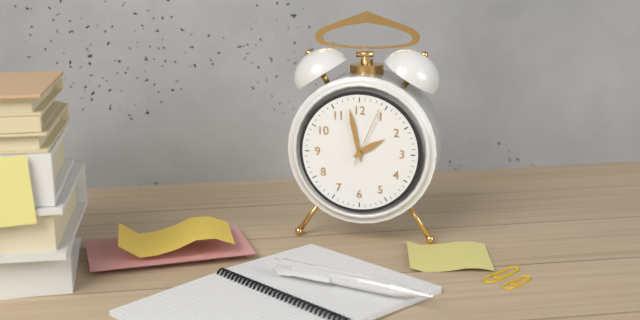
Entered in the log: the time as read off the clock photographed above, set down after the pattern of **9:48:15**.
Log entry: **1:58:04**
